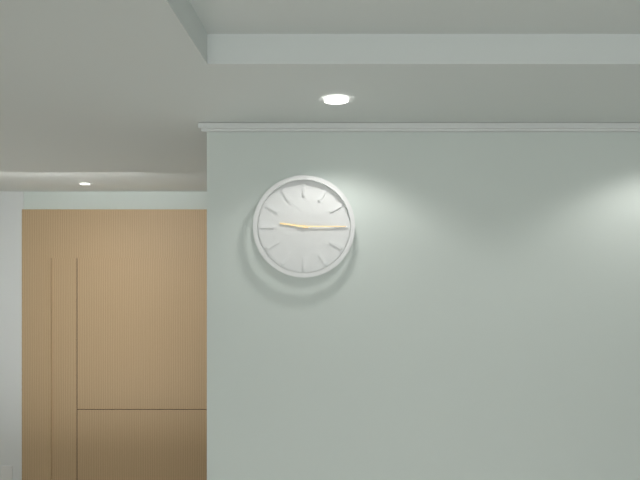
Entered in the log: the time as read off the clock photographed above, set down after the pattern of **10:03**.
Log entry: **9:15**
